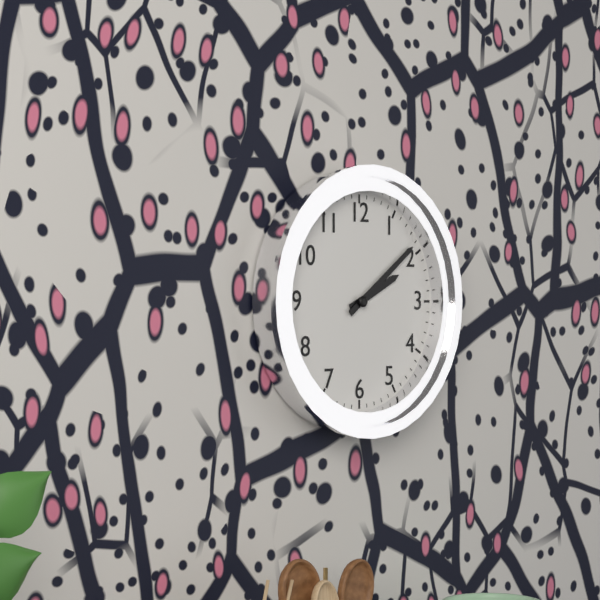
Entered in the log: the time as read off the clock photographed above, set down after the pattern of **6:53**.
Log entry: **2:09**
